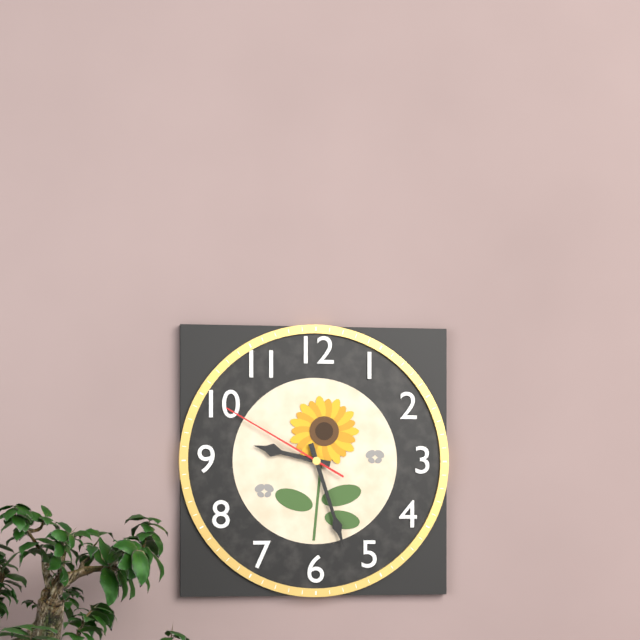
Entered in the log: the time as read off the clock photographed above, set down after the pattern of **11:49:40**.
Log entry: **9:27:50**
